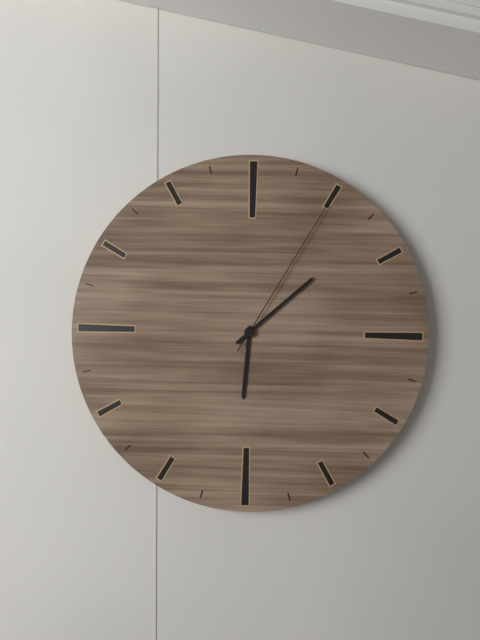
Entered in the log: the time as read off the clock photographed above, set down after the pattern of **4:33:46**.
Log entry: **6:08:05**
